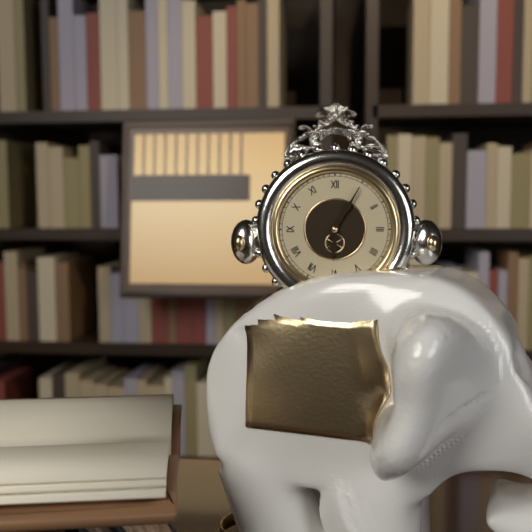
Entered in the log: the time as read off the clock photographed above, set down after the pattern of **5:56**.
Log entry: **6:05**
